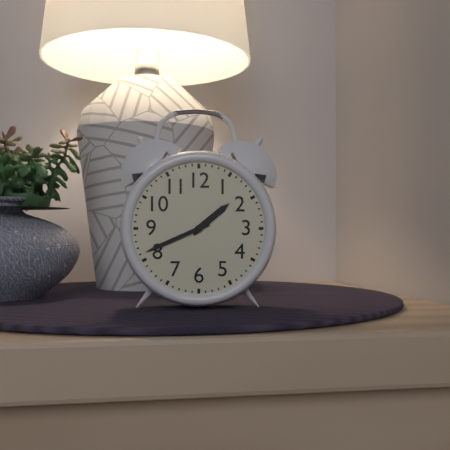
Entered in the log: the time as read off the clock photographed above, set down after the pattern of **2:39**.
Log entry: **1:41**
